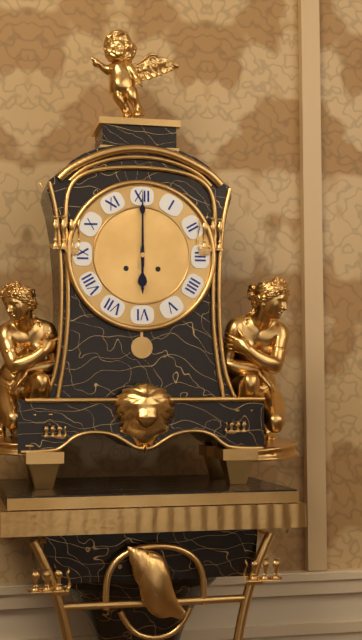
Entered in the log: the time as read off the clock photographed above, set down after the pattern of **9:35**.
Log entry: **6:00**
